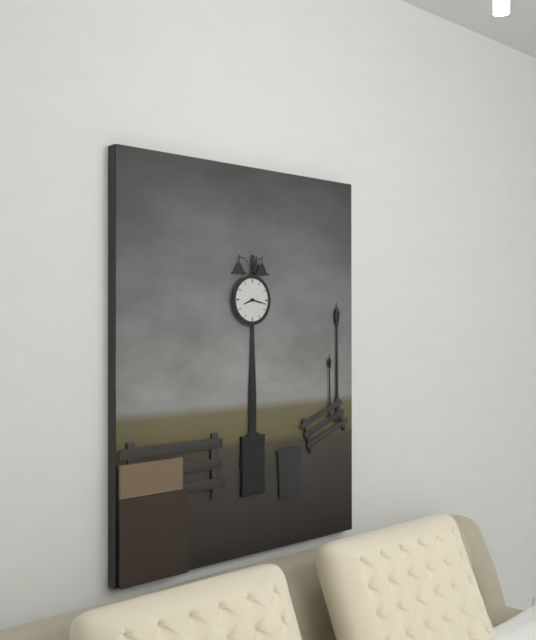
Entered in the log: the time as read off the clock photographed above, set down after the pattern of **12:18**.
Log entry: **8:17**
